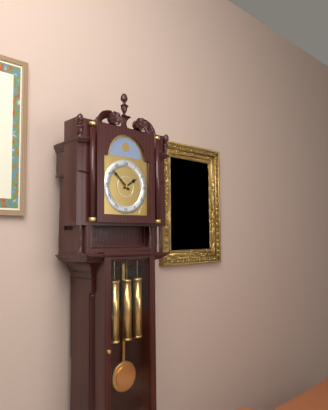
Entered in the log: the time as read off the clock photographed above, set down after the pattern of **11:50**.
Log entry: **1:52**
